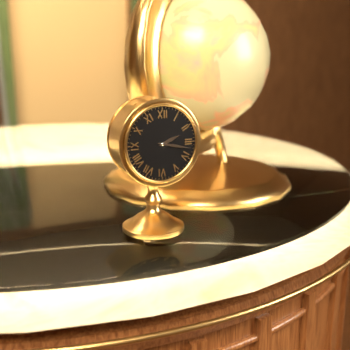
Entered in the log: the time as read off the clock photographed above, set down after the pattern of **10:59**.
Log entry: **2:17**
